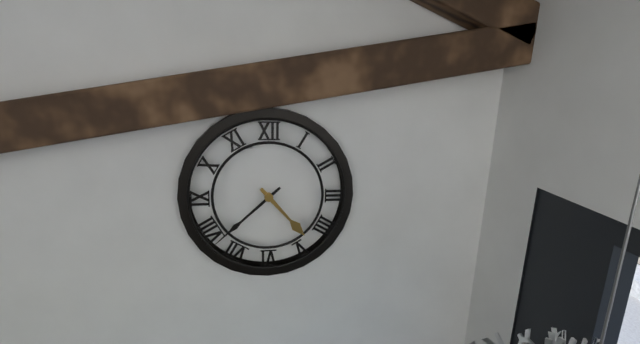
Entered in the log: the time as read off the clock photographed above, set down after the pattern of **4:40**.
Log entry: **4:38**
